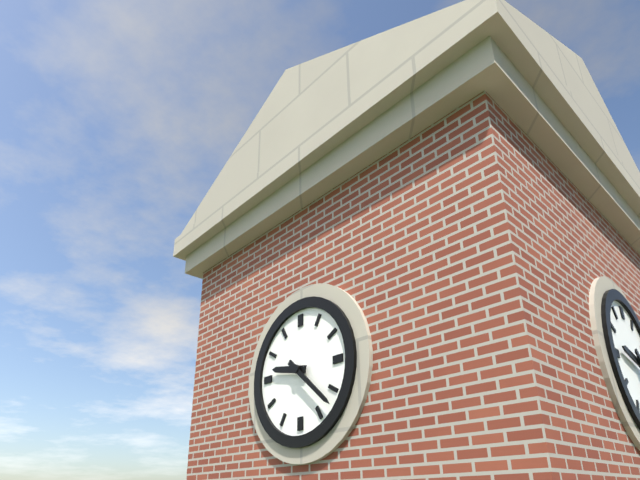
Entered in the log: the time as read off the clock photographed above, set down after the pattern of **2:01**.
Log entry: **9:22**
